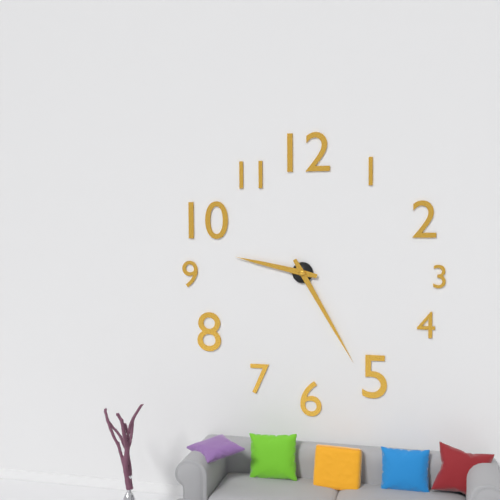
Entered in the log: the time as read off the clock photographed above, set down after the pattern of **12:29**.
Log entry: **9:25**
